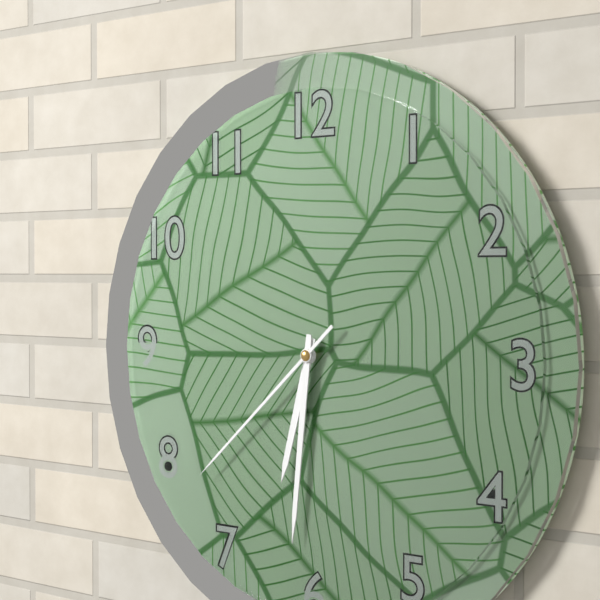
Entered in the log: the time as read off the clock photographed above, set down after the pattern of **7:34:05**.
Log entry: **6:31:38**
